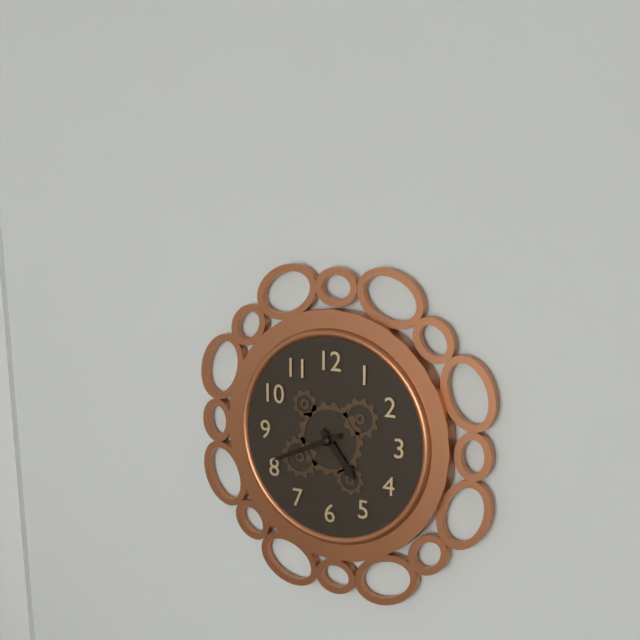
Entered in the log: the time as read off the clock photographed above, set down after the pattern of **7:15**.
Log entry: **4:41**
